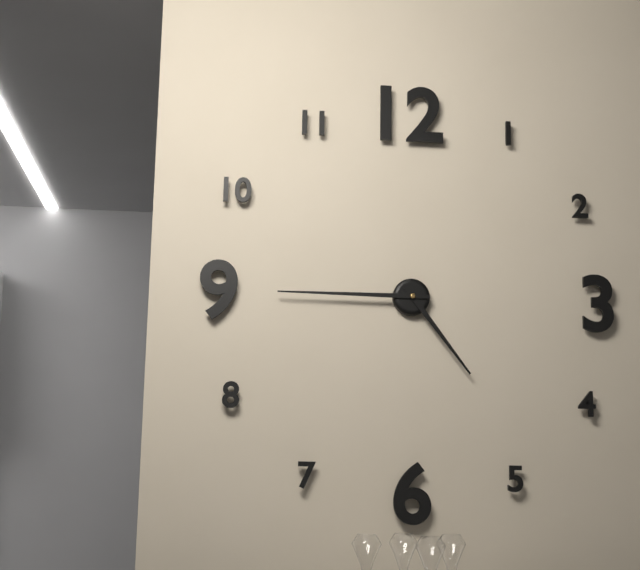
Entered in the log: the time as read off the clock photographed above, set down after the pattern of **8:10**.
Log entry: **4:45**
